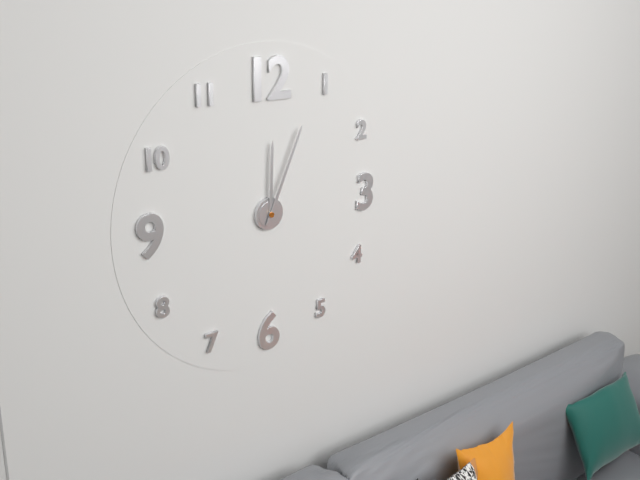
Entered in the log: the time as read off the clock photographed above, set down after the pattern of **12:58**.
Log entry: **12:04**
